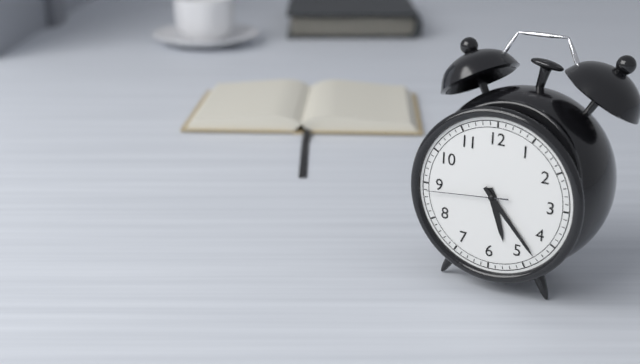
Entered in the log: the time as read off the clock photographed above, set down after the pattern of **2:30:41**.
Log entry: **5:23:44**
